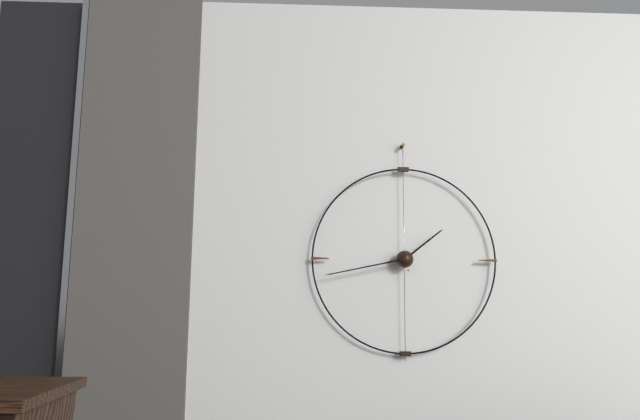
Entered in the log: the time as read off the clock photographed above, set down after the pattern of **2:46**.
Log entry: **1:43**
